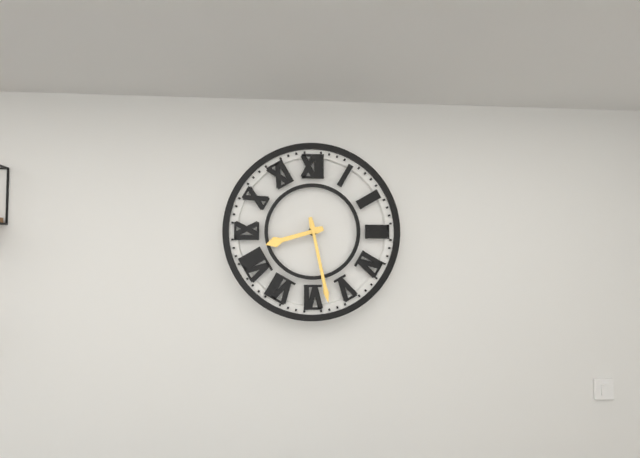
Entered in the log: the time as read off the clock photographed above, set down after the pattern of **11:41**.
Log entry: **8:28**
